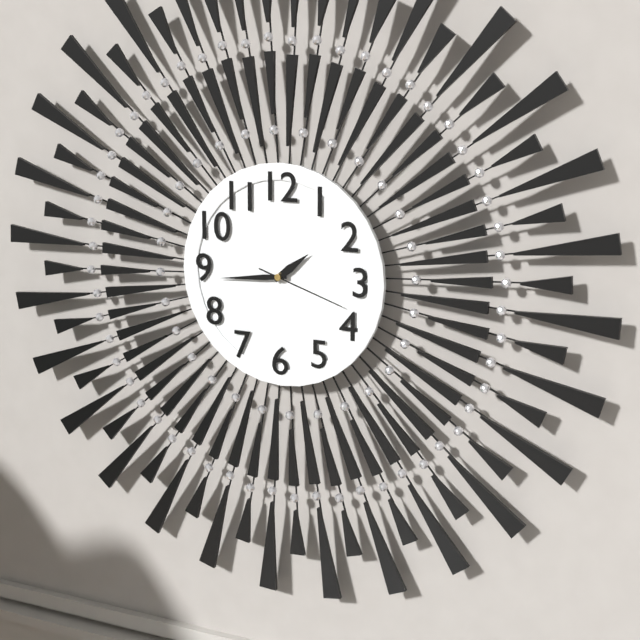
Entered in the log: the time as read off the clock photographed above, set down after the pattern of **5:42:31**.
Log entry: **1:44:18**
